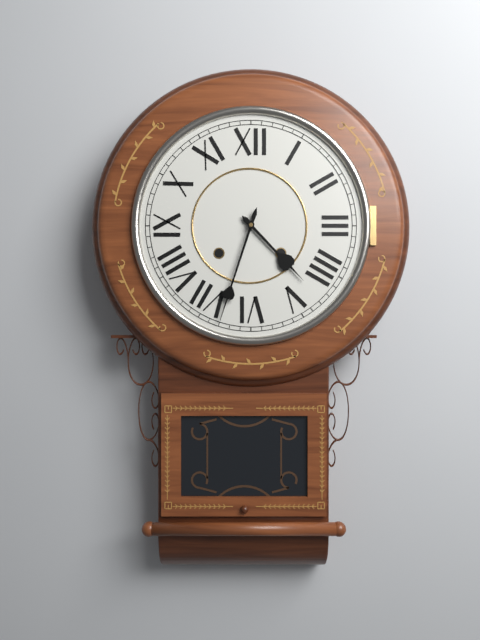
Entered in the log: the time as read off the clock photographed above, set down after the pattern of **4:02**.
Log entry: **4:33**
